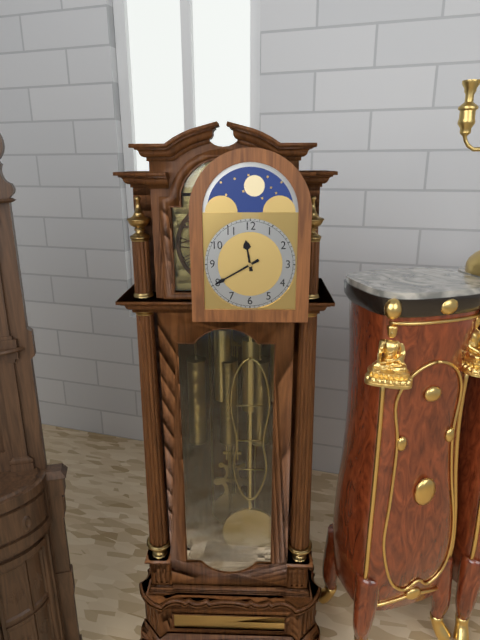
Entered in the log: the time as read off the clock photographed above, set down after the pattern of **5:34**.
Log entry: **11:40**
